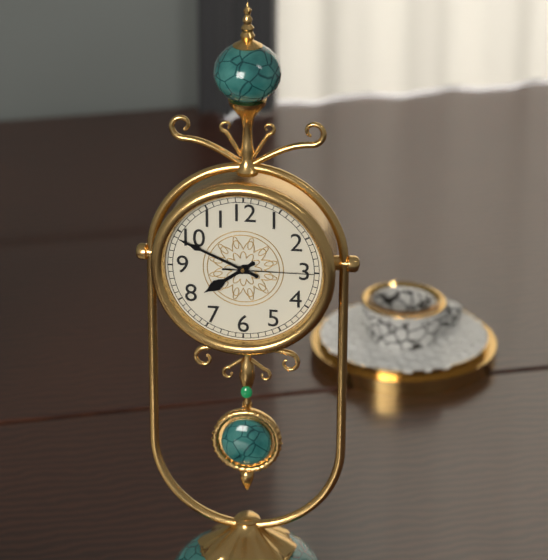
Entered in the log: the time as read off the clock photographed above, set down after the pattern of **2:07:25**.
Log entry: **7:49:15**
